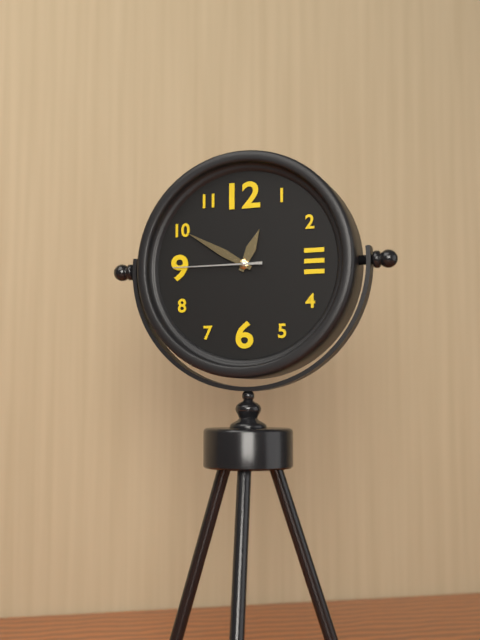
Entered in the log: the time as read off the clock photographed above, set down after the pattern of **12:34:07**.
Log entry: **12:50:45**
